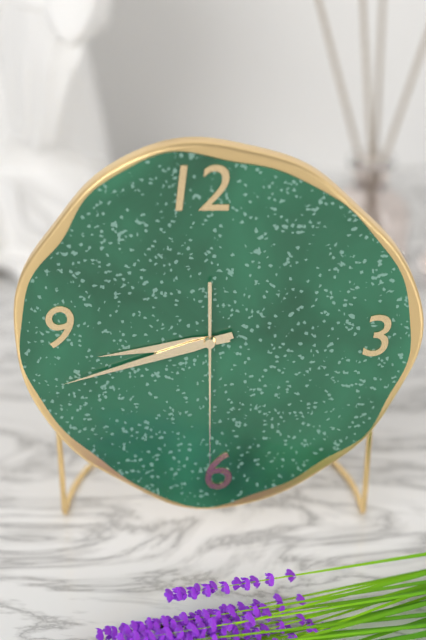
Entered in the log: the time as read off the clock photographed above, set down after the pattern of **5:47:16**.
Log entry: **8:42:30**
